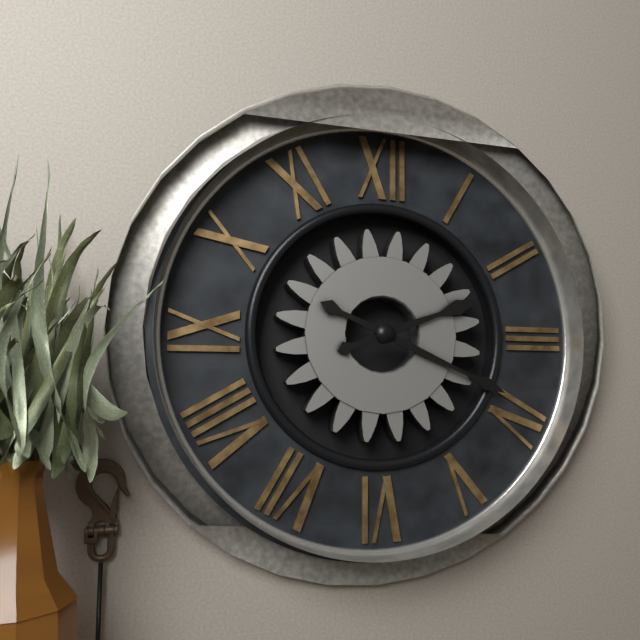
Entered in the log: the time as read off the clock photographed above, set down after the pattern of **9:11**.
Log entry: **2:19**
